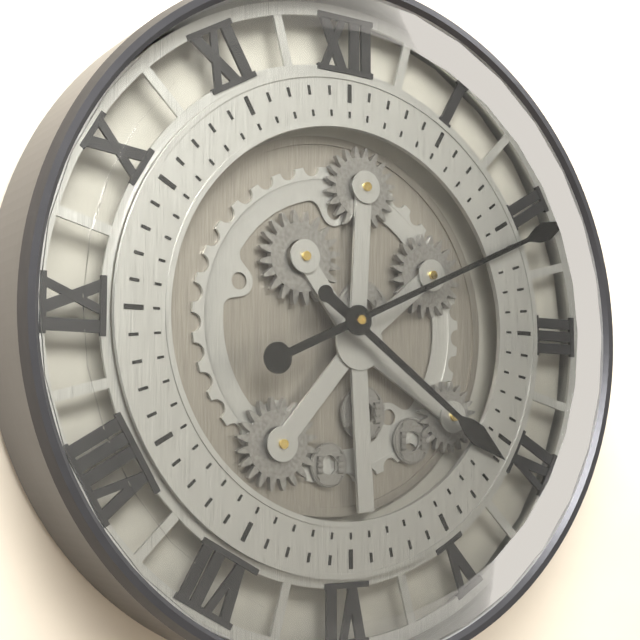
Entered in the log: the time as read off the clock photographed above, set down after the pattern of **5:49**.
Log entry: **4:11**
